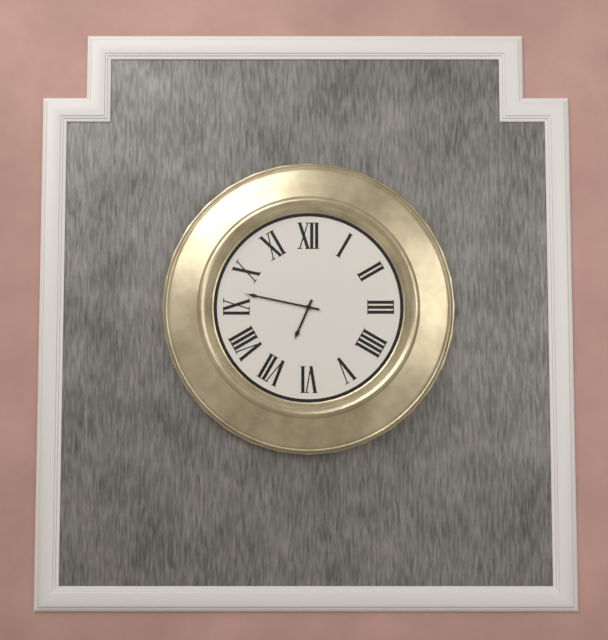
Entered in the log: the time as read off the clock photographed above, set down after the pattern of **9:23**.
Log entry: **6:47**
